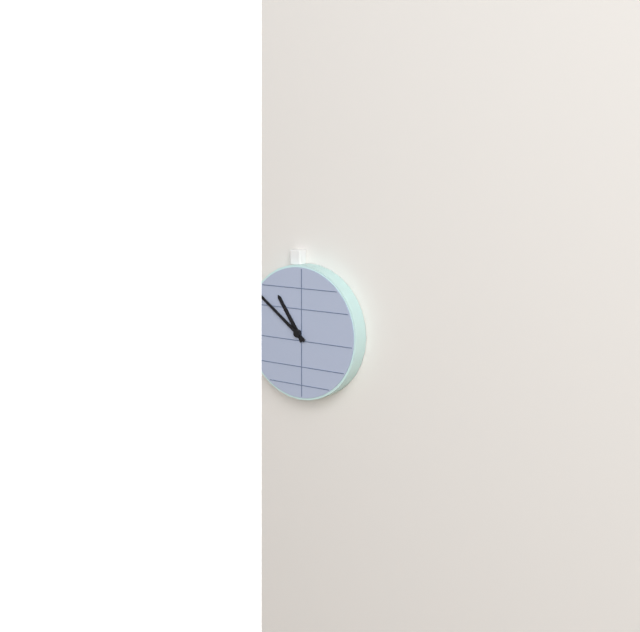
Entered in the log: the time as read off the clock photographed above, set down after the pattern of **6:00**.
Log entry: **10:51**
